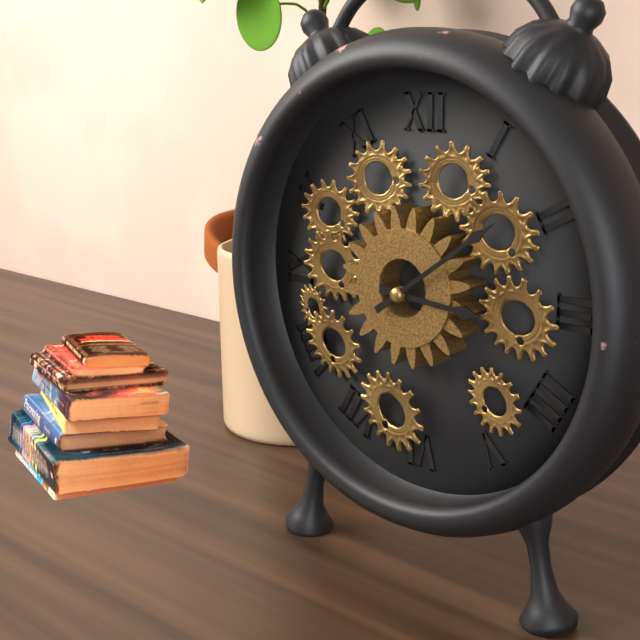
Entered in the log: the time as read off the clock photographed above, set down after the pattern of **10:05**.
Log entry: **3:09**
